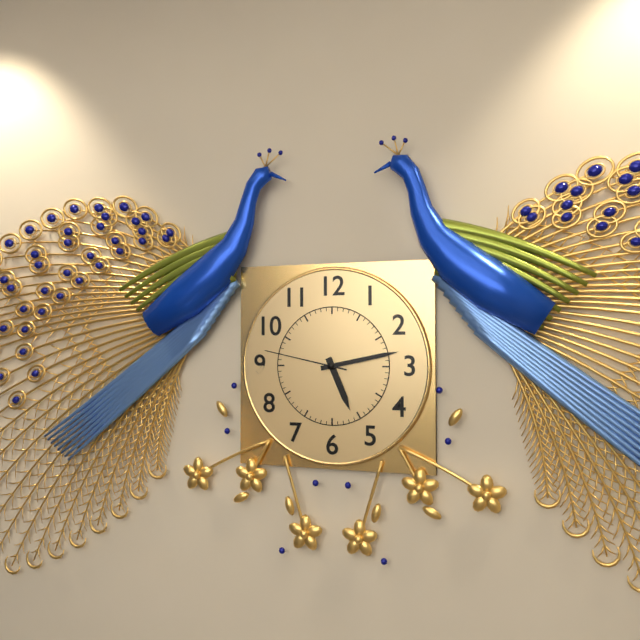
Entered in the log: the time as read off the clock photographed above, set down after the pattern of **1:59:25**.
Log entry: **5:13:47**
